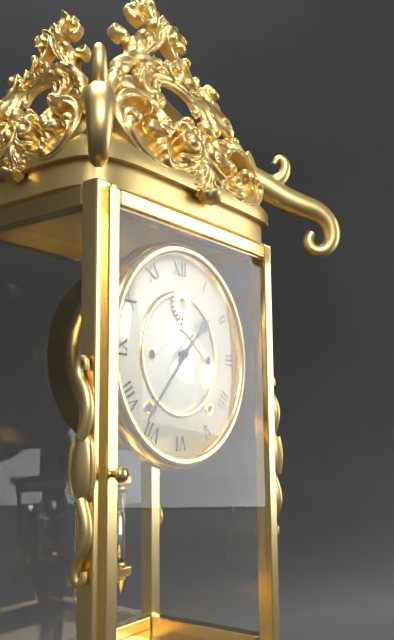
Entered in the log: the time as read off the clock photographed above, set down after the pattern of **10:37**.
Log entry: **1:37**
